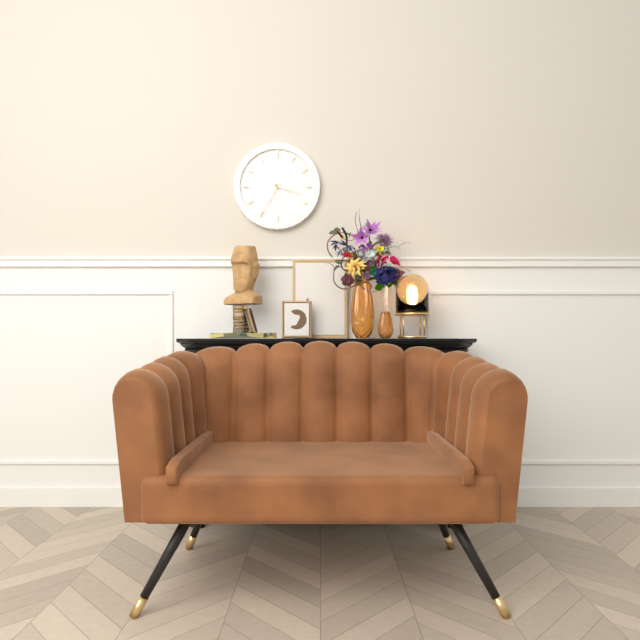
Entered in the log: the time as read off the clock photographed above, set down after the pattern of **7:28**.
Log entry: **3:35**
